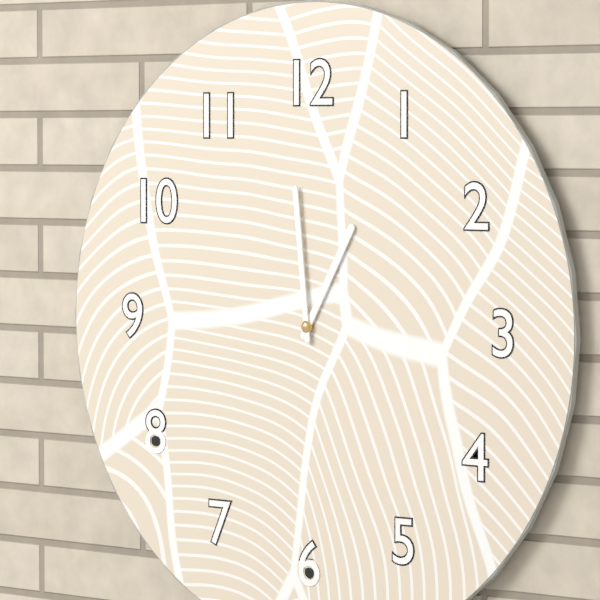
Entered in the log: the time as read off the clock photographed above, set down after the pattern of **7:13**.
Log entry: **12:59**
